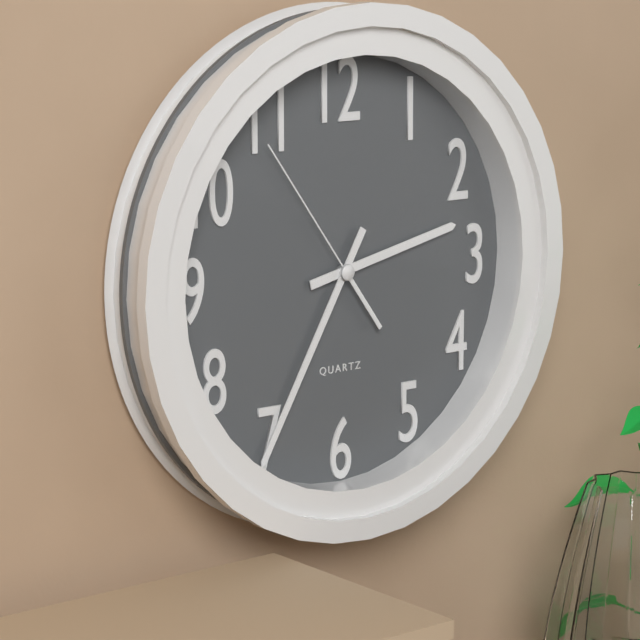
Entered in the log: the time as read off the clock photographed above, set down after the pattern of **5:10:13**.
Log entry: **2:35:54**
